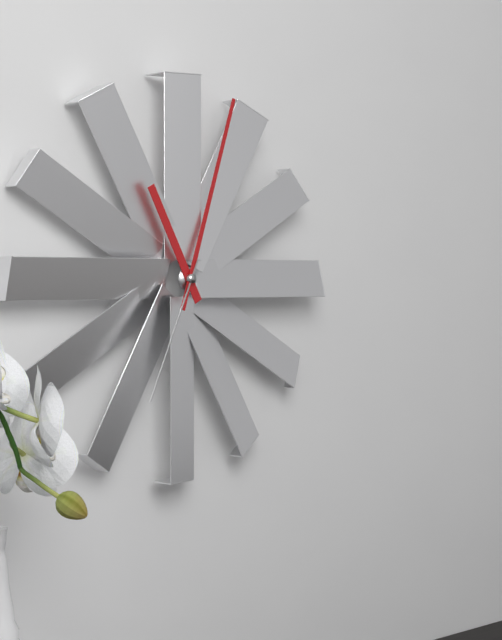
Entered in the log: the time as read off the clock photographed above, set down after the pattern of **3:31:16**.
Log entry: **11:03:34**
